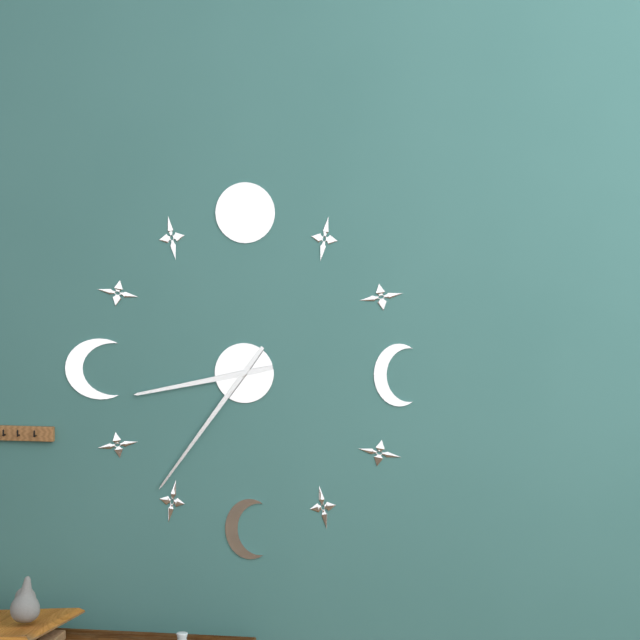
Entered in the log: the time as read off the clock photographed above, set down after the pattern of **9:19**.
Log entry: **8:36**
